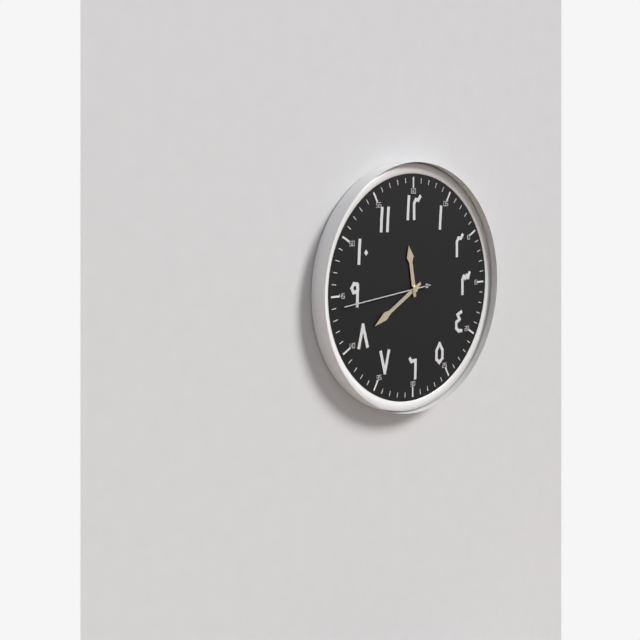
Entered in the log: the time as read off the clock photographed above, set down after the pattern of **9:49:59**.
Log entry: **11:40:44**
